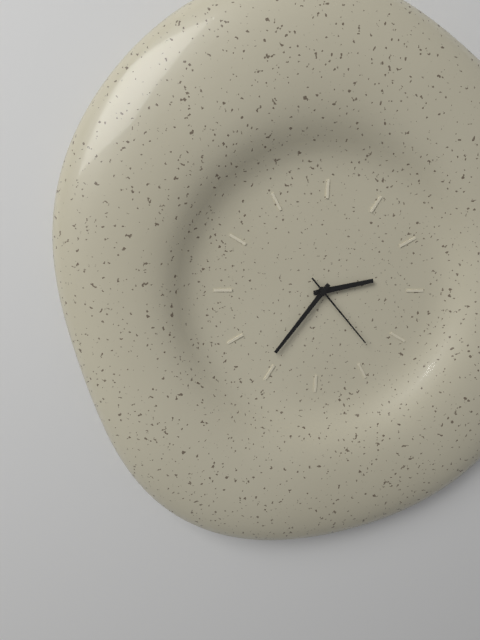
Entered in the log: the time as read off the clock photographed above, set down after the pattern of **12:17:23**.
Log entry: **2:36:23**
